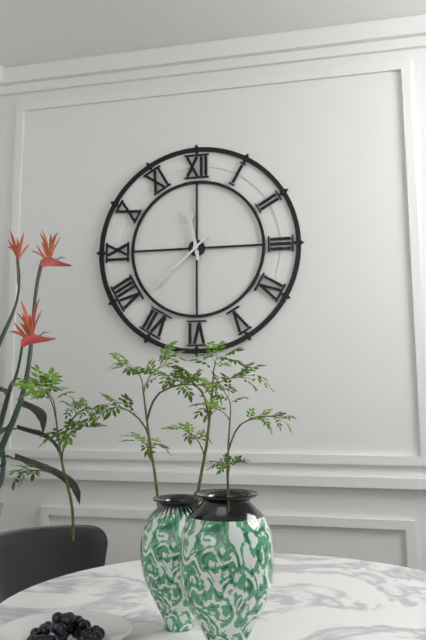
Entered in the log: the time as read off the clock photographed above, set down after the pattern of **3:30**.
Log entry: **11:38**
